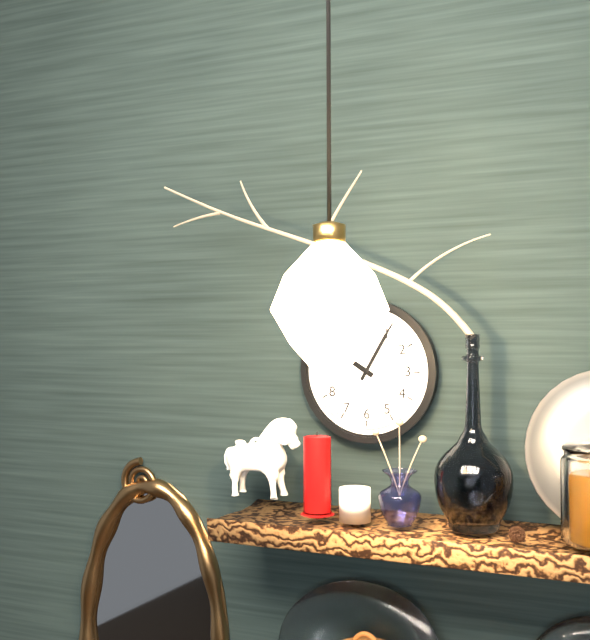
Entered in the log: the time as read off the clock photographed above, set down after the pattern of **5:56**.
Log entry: **10:05**
